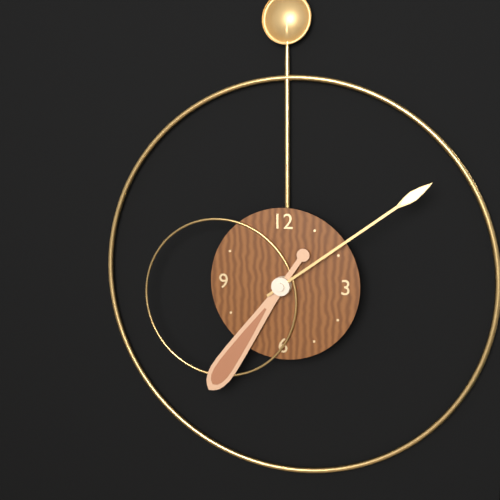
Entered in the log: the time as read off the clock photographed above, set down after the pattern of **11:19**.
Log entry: **7:09**
